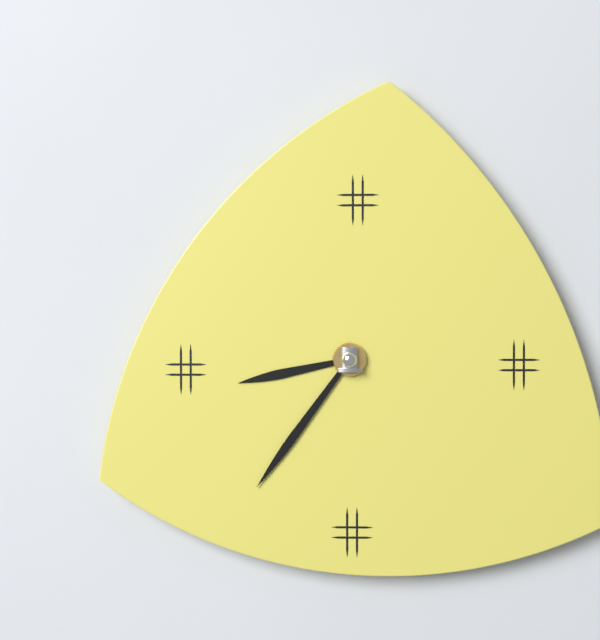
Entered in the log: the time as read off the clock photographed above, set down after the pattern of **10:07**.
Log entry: **8:36**
